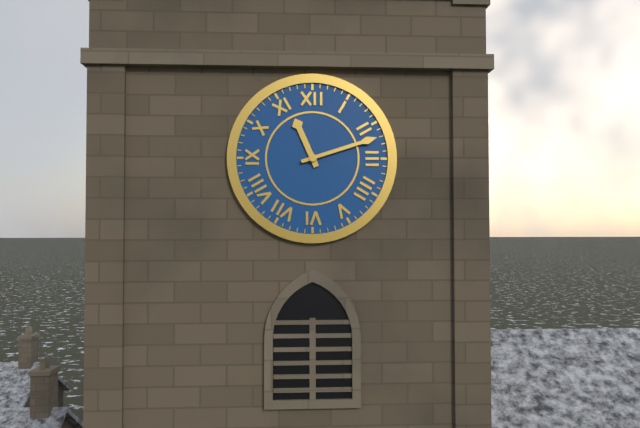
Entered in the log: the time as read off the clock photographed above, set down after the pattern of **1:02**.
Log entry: **11:12**
